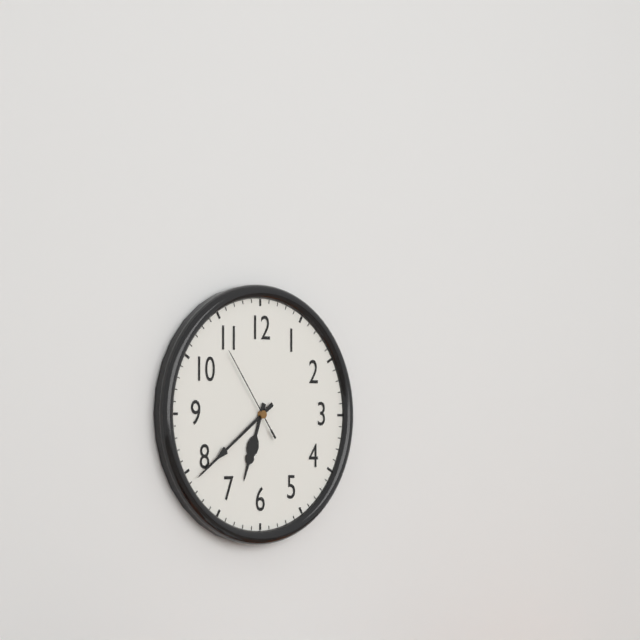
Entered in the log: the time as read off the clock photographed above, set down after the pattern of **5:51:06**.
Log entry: **6:39:54**
